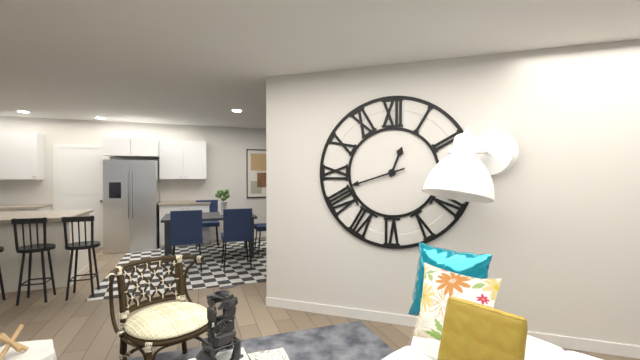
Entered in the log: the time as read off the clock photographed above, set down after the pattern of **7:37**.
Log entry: **12:42**
